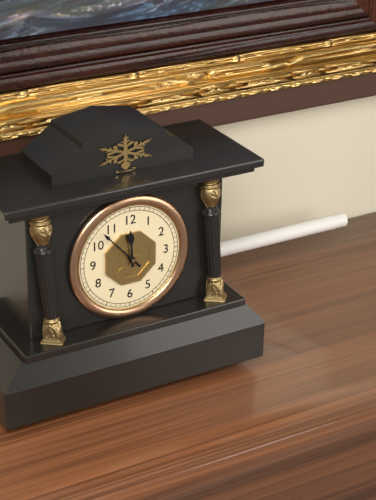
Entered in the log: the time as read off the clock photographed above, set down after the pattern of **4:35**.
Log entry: **11:53**
